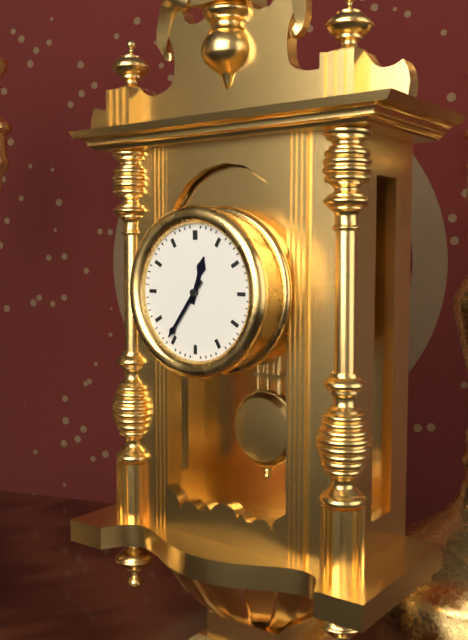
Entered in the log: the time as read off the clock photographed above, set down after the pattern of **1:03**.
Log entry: **12:36**
